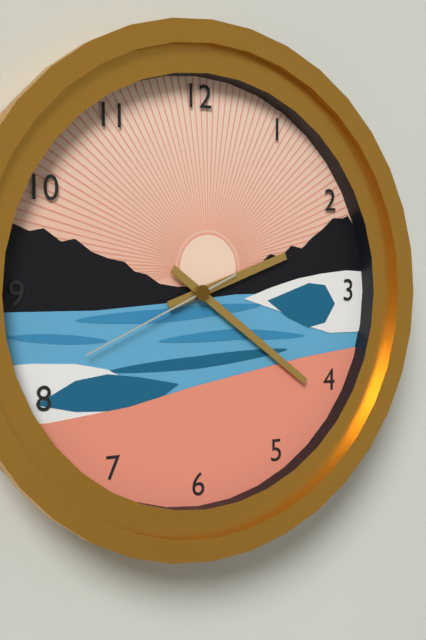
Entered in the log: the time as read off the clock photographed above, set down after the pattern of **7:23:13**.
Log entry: **2:21:41**
